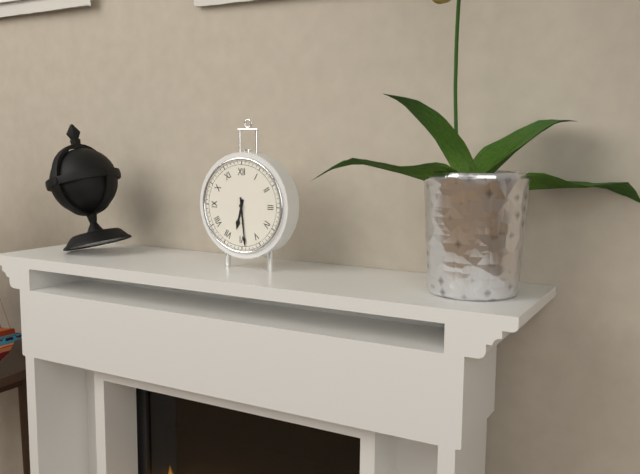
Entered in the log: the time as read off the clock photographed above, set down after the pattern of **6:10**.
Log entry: **6:29**
